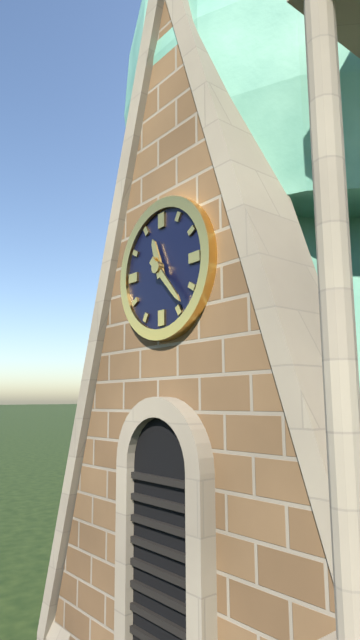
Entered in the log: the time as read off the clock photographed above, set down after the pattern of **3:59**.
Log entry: **11:23**
